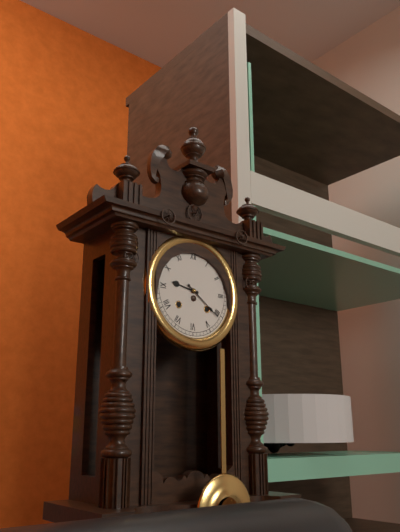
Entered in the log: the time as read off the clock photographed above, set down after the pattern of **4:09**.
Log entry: **9:21**
